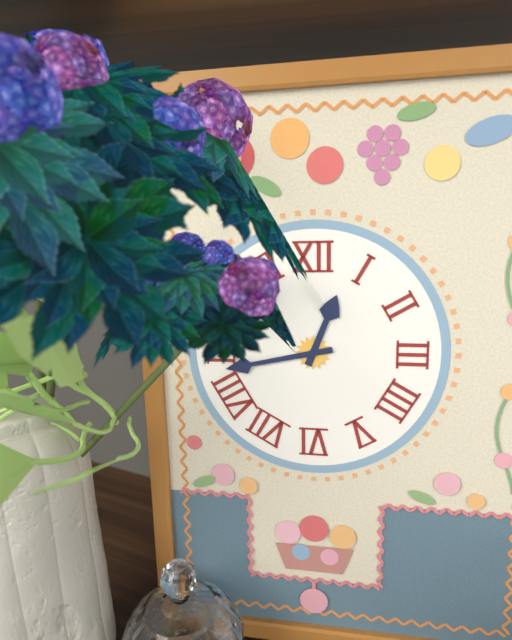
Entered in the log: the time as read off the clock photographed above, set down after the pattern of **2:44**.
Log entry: **12:43**
